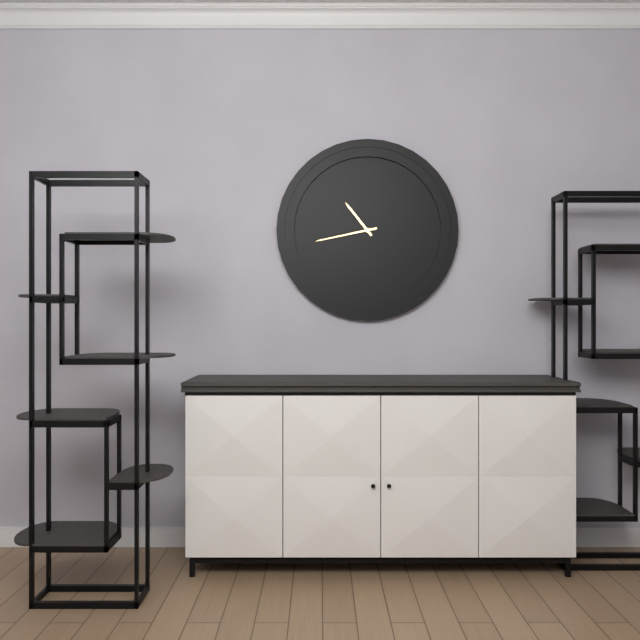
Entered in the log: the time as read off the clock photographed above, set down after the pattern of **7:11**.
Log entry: **10:43**
